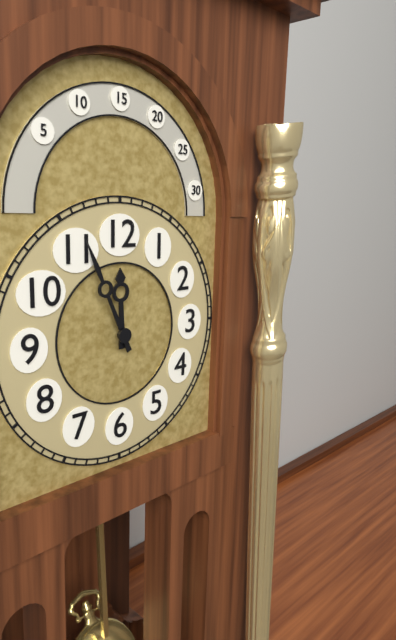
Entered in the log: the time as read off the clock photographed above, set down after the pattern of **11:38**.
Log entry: **11:56**
